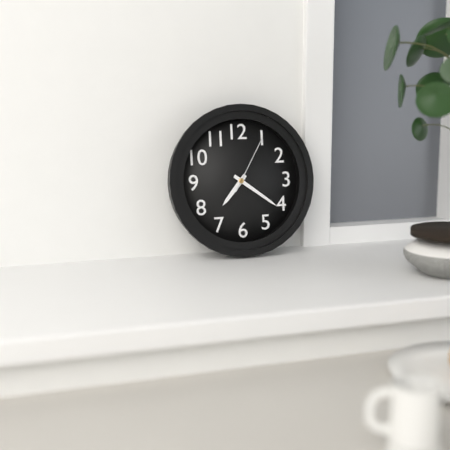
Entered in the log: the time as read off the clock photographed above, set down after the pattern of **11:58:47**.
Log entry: **7:21:05**
